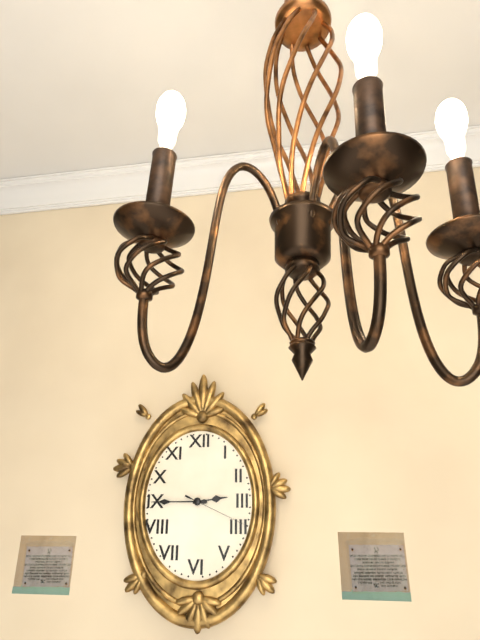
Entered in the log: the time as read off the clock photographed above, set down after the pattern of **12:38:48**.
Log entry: **2:45:19**
